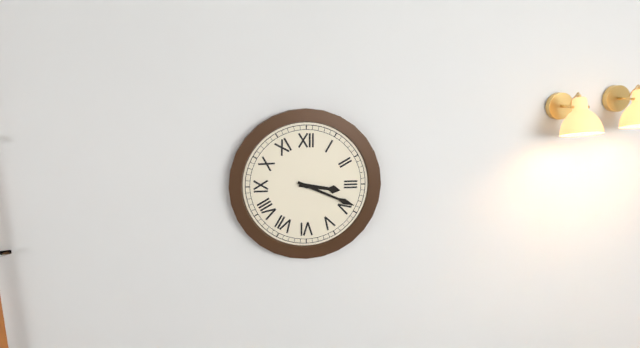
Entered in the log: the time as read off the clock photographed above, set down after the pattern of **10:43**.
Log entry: **3:19**
